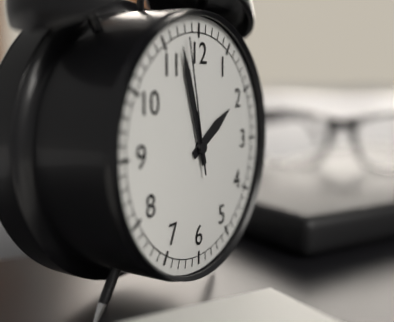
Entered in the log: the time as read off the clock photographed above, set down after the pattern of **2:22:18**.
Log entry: **1:57:58**
